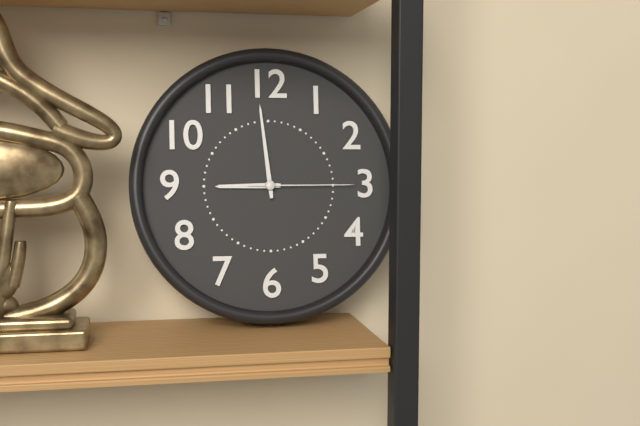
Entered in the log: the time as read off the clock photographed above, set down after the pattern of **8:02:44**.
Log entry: **8:59:15**
